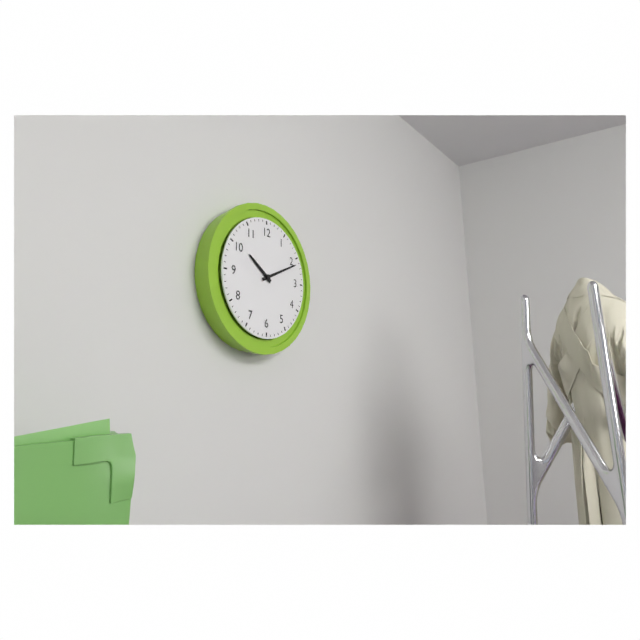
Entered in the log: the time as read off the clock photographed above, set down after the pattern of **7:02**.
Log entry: **10:11**
